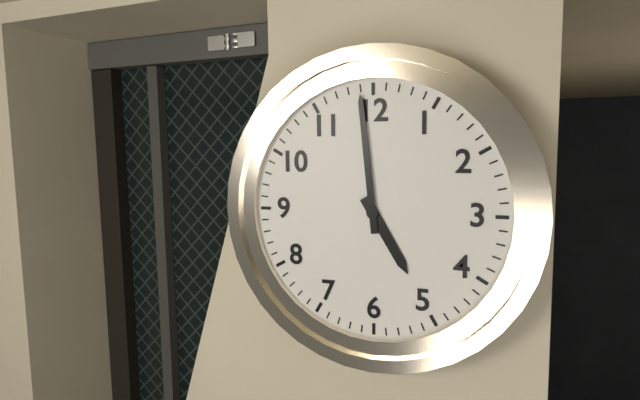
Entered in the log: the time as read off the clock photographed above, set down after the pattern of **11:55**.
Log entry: **4:59**
